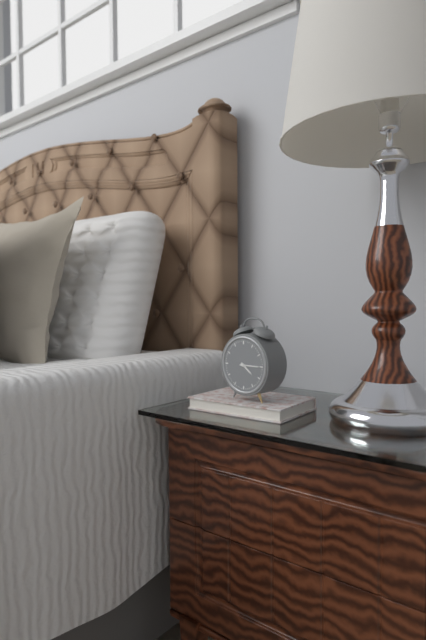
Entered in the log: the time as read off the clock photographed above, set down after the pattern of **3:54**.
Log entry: **4:15**
